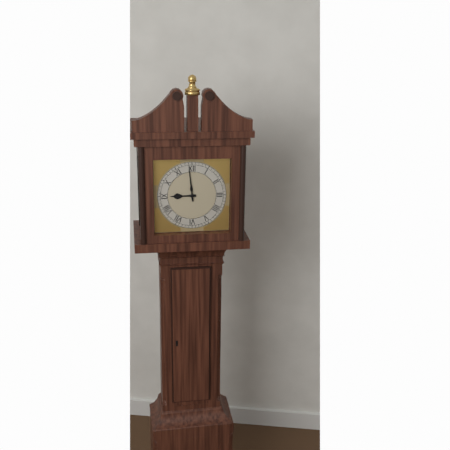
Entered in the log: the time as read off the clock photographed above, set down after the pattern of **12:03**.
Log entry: **8:59**
